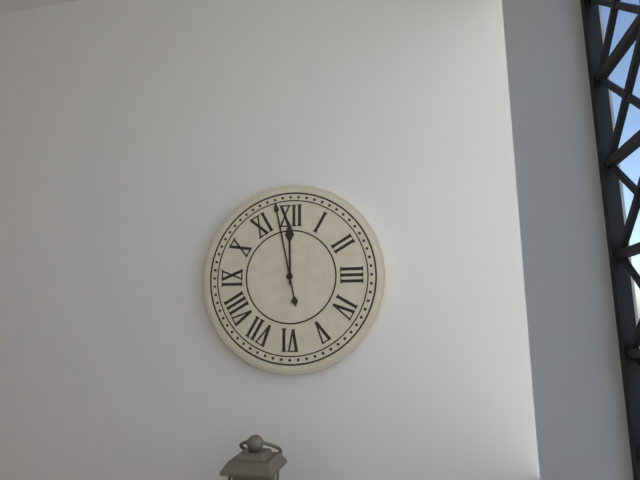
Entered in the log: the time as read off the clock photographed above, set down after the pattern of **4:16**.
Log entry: **11:58**
